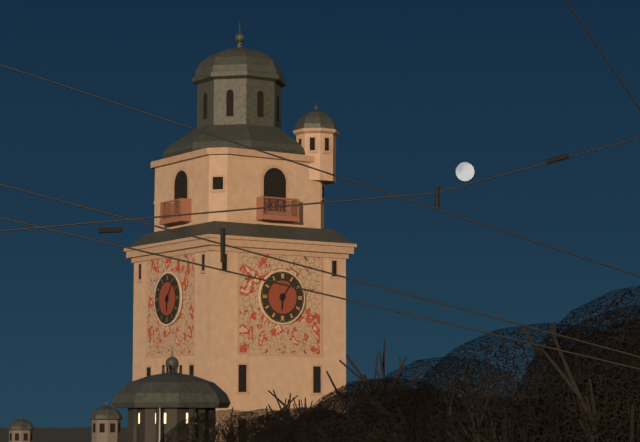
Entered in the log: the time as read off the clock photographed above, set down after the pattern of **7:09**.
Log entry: **6:06**
